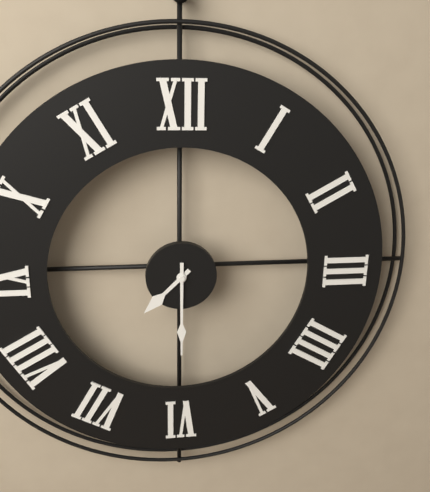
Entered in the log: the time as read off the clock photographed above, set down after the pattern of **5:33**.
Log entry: **7:30**
